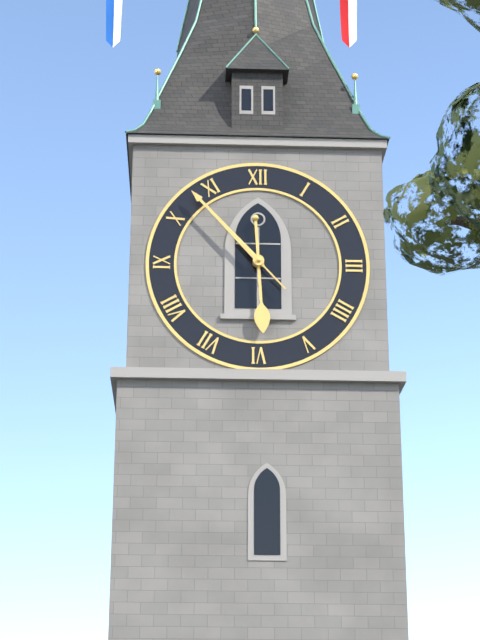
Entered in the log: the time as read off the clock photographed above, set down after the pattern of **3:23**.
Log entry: **5:53**
